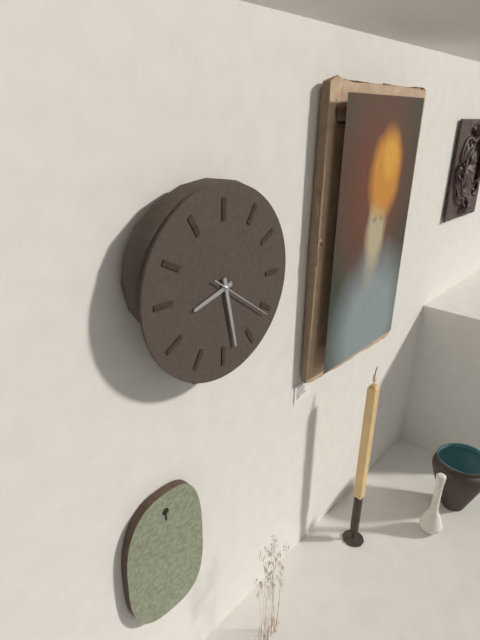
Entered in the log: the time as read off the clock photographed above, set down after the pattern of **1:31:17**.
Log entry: **8:28:21**
